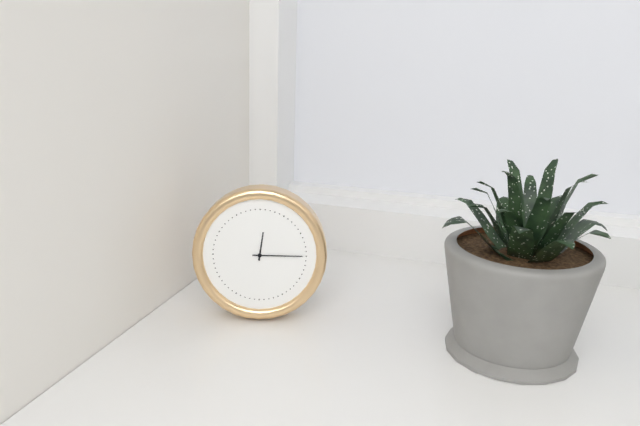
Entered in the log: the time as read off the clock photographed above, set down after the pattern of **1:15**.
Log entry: **12:15**
